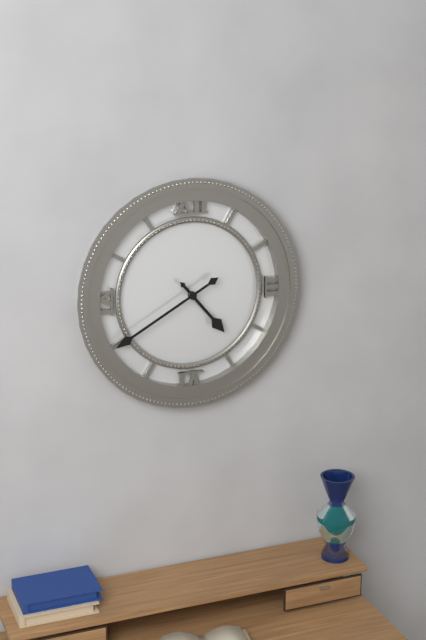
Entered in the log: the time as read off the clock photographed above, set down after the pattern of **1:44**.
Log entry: **4:40**
